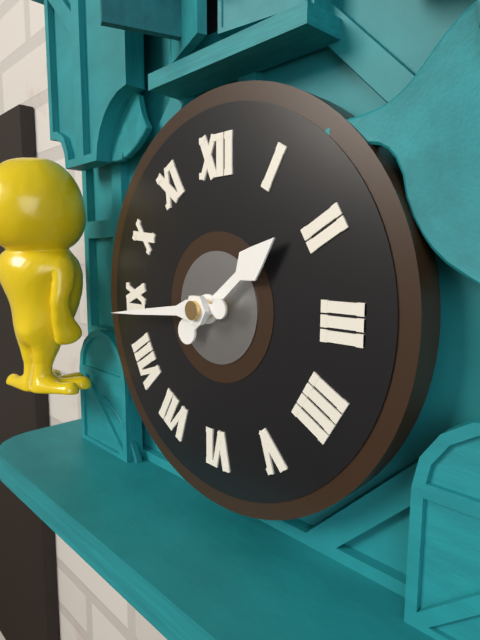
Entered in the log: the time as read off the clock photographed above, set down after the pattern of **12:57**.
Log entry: **1:44**
